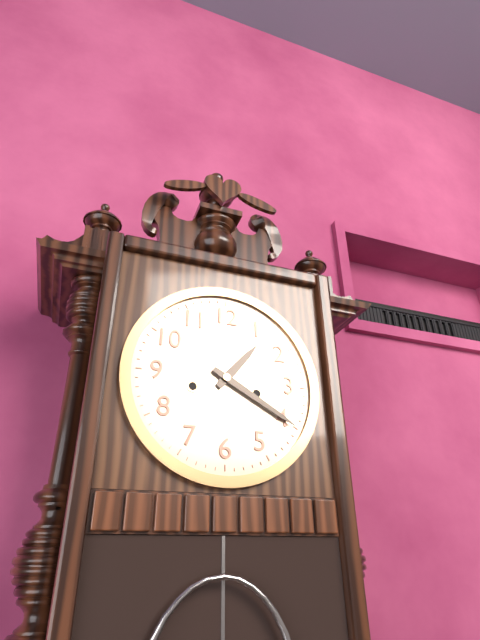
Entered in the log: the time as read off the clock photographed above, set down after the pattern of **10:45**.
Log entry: **1:20**
